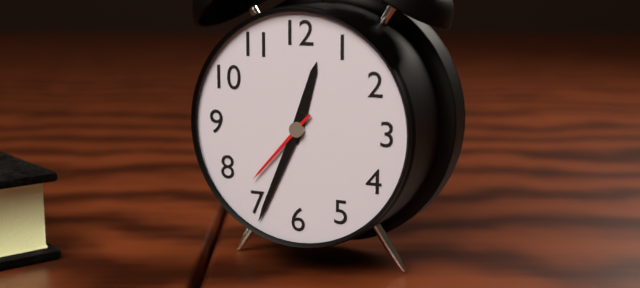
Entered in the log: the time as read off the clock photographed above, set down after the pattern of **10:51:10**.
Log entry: **12:34:37**
